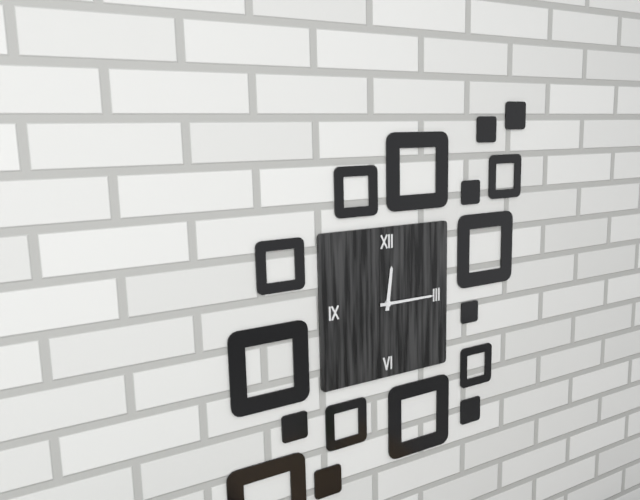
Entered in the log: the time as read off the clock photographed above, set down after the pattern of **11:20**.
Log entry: **12:15**
